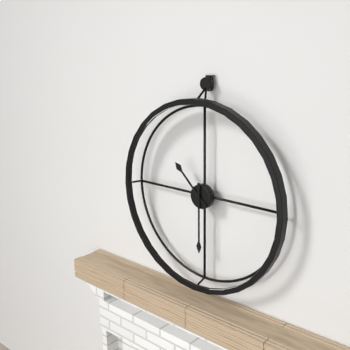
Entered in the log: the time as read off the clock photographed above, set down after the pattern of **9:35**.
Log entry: **10:30**
